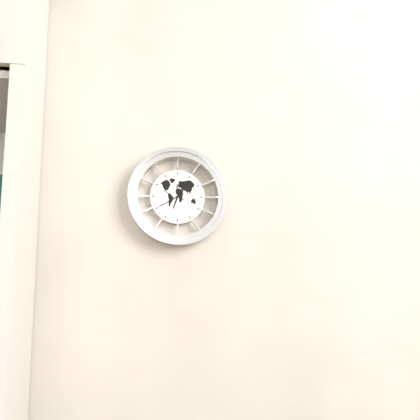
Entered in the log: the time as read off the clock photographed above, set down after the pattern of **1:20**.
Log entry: **6:40**
